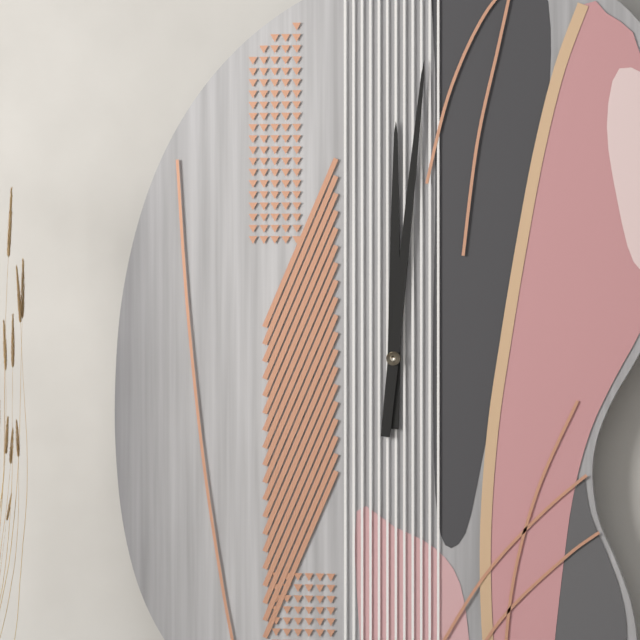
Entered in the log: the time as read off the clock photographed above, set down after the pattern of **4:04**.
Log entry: **12:01**
